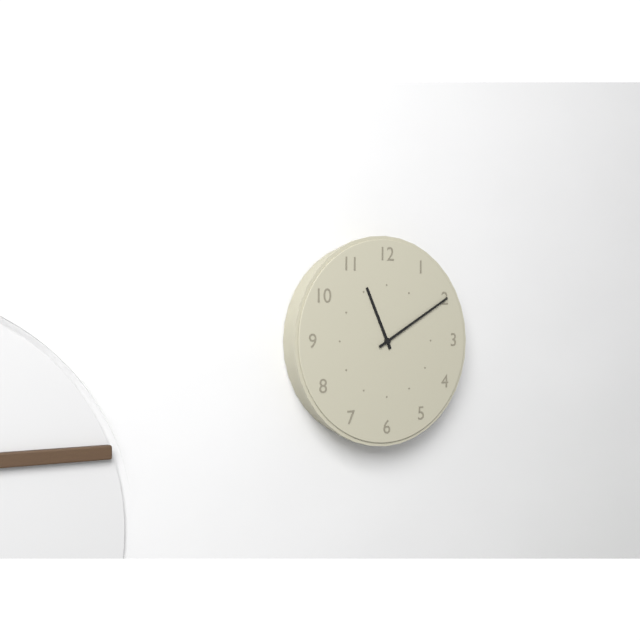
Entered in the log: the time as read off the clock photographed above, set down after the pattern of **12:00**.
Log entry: **11:10**
